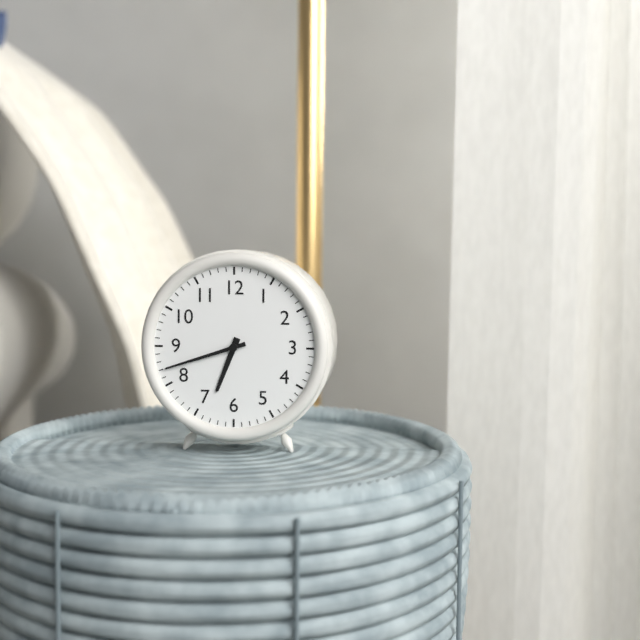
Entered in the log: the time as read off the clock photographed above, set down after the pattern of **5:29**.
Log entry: **6:42**
